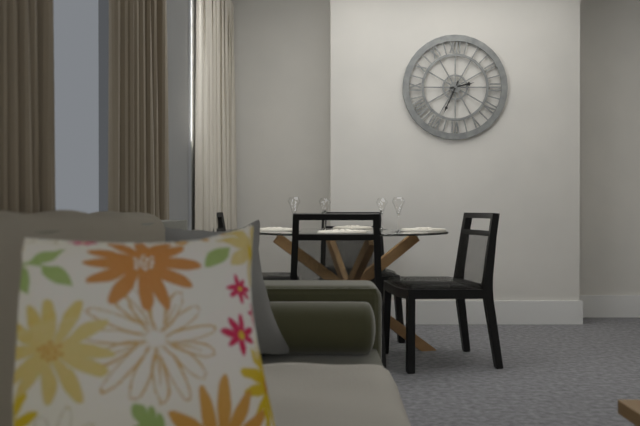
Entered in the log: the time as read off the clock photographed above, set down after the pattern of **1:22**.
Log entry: **2:34**
